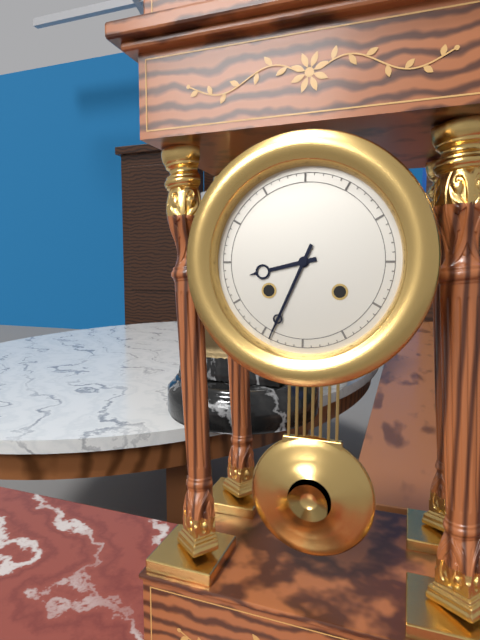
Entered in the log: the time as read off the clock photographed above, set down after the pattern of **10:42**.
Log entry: **8:34**
